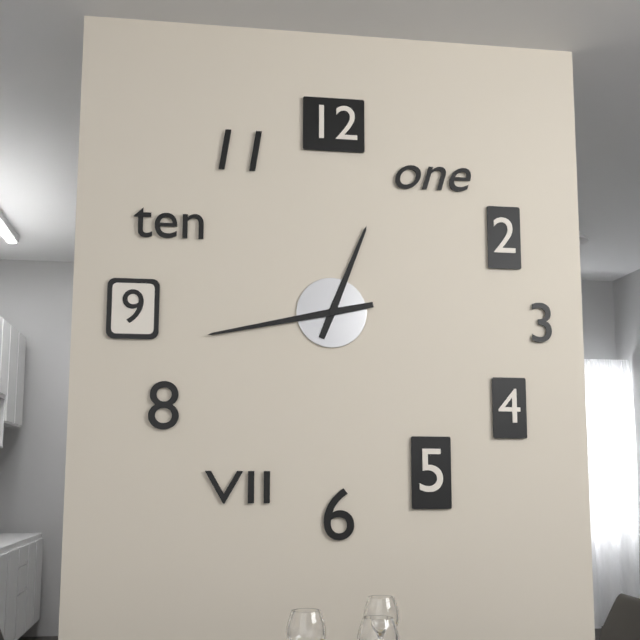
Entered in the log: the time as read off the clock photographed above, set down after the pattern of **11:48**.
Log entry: **12:43**
